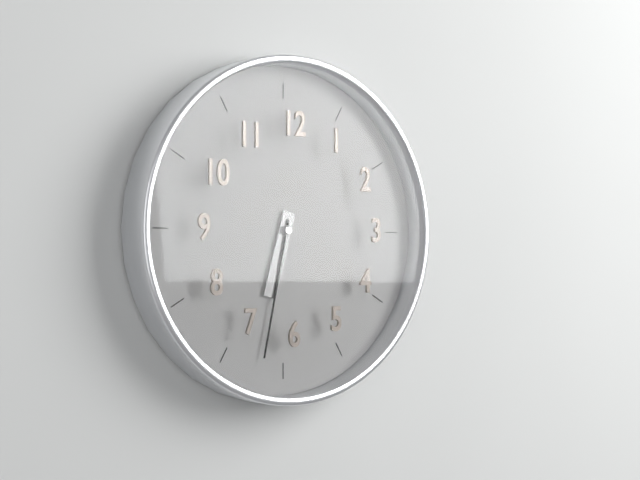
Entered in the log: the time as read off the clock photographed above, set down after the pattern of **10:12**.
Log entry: **6:32**
